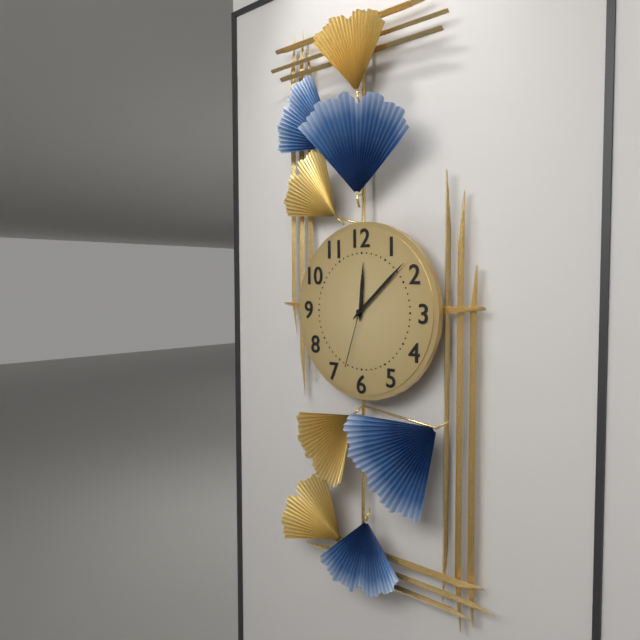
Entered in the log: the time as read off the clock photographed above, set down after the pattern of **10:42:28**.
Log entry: **12:08:33**
